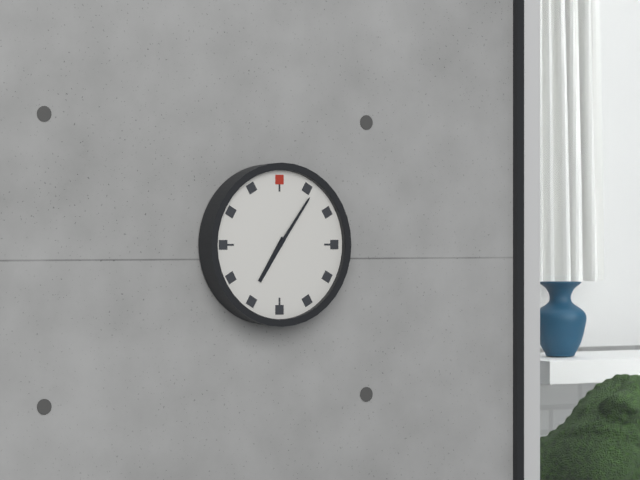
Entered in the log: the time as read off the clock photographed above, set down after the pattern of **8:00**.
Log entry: **7:06**
